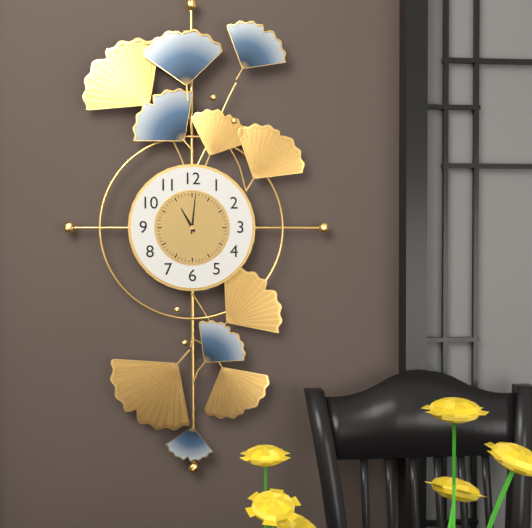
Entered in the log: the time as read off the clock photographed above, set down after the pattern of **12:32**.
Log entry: **11:01**
